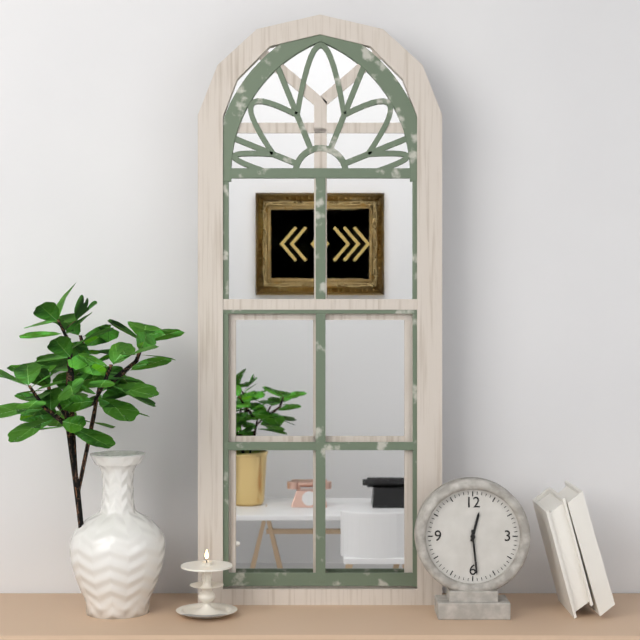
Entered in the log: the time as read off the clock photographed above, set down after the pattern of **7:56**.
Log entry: **12:29**
